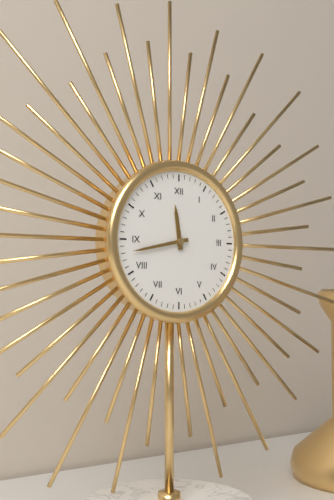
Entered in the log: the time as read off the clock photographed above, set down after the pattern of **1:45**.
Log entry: **11:43**
